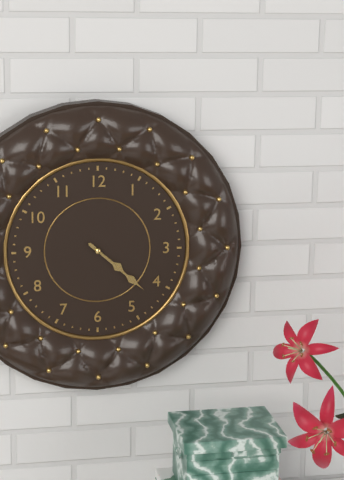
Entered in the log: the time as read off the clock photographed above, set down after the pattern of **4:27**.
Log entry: **4:22**
